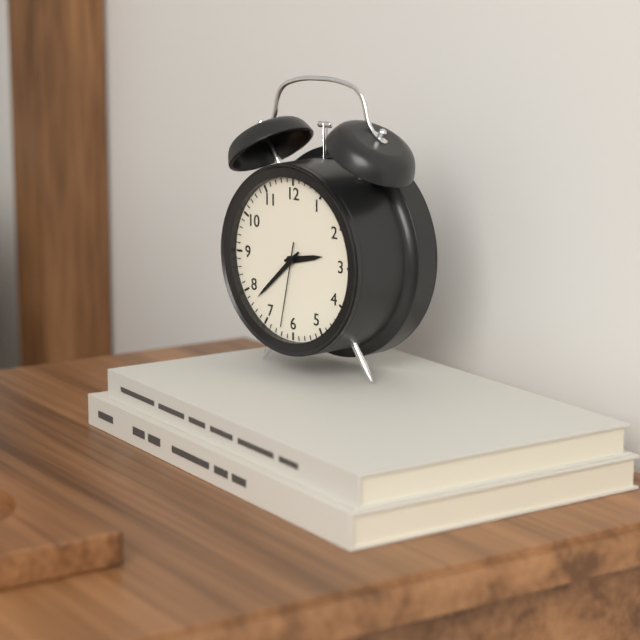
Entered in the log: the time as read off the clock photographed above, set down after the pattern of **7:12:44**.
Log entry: **2:38:32**
